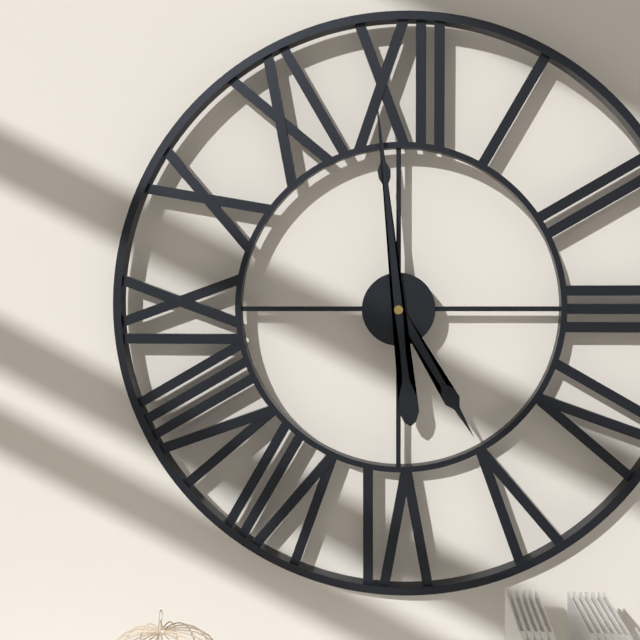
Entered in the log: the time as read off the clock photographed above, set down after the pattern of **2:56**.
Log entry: **4:59**
